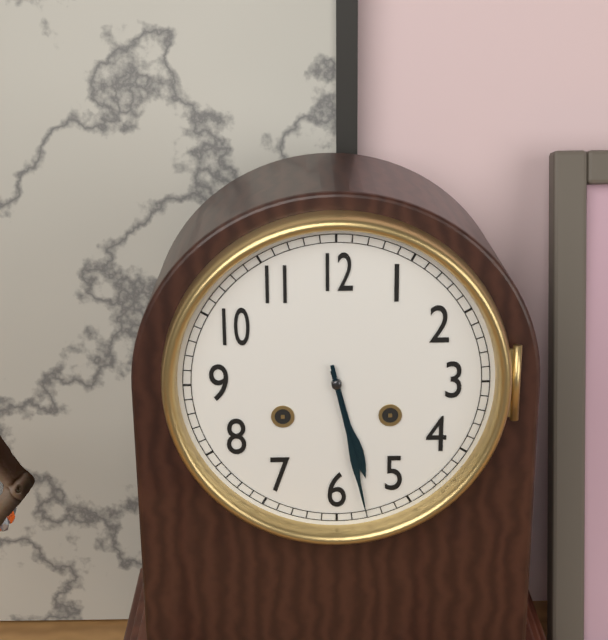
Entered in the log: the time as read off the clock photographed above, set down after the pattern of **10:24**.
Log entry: **5:28**
